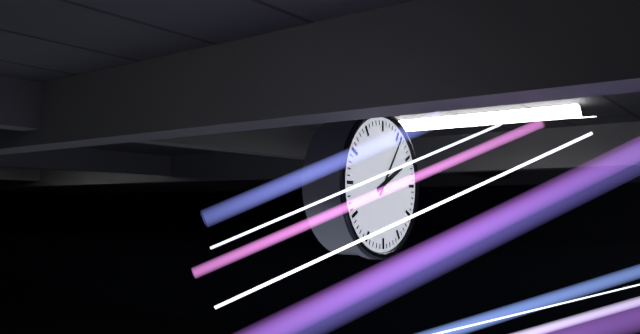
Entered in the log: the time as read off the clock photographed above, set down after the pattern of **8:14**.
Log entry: **2:06**
